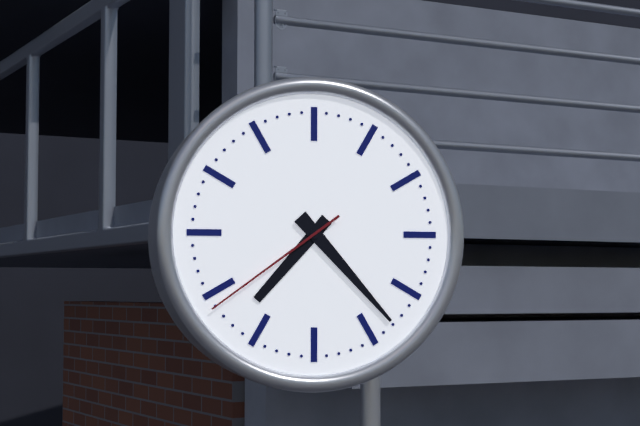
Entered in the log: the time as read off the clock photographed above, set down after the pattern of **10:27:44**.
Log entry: **7:23:39**
